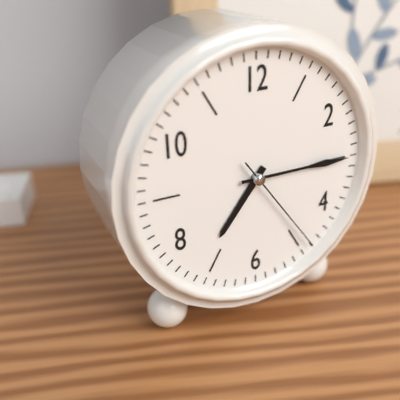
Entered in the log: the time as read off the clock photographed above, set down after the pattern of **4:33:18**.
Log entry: **7:15:24**
